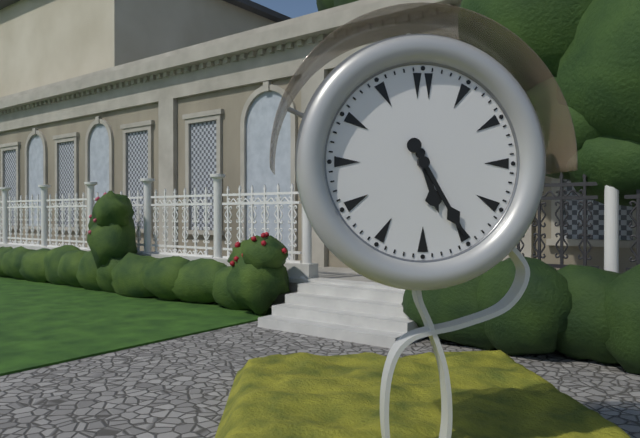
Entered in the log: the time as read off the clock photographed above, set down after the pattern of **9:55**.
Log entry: **5:25**
